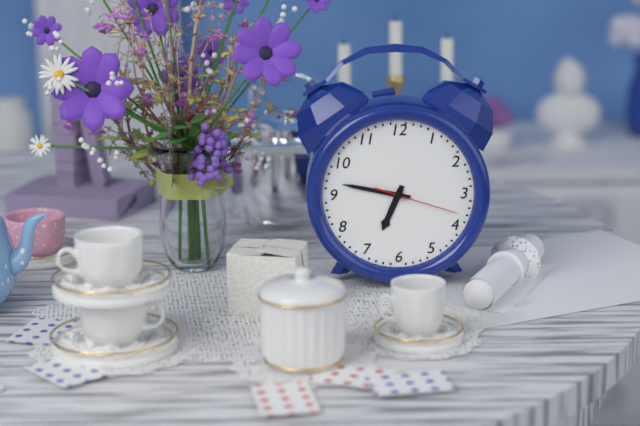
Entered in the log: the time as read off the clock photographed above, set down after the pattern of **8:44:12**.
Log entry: **6:47:18**
